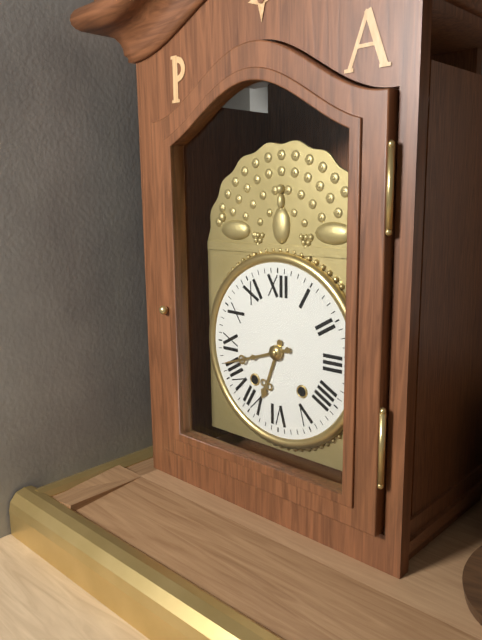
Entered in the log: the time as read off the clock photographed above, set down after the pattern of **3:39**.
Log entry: **6:42**
